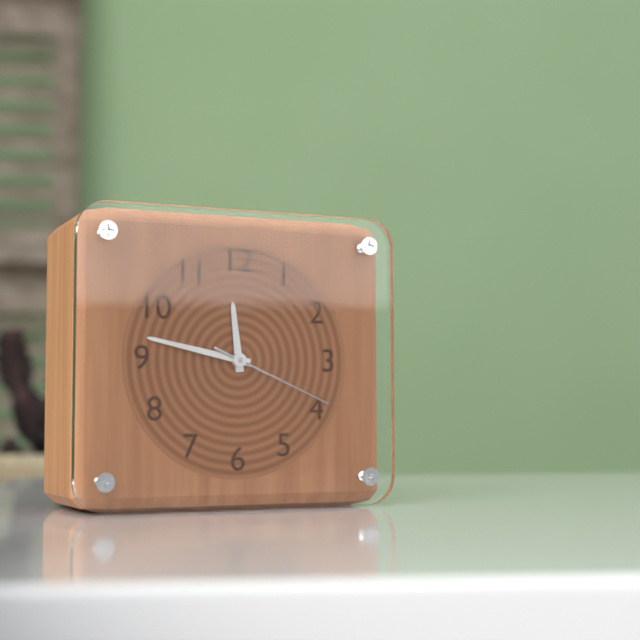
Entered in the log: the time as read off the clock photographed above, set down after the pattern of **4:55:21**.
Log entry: **11:47:19**
